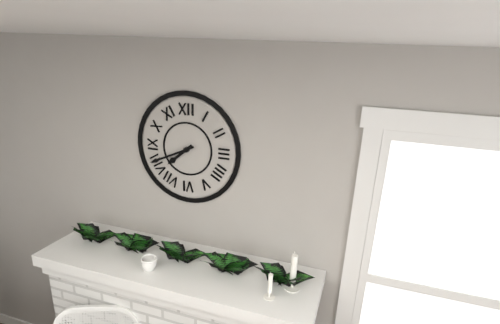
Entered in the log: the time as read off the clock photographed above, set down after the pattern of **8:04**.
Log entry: **7:41**
